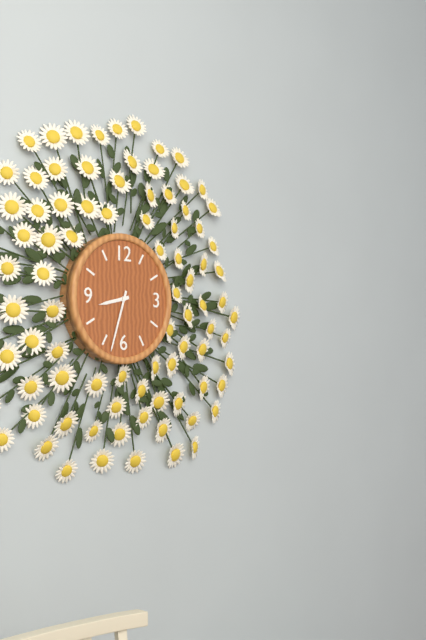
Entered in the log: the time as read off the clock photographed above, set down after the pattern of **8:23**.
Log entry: **8:33**
